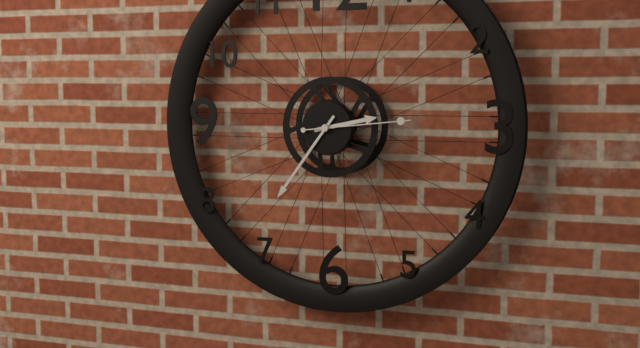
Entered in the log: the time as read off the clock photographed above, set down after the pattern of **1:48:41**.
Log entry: **2:36:14**
